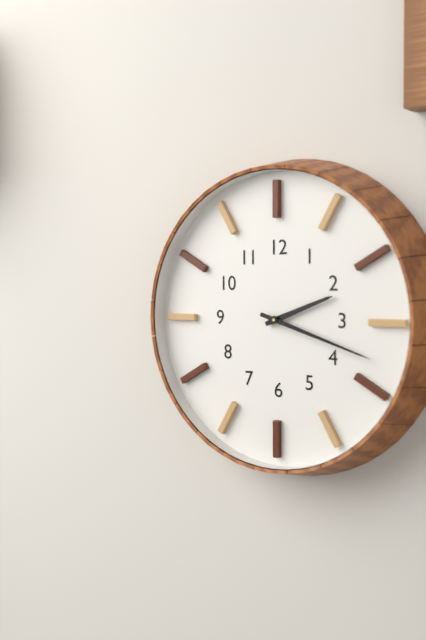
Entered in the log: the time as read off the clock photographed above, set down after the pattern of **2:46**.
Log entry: **2:18**
